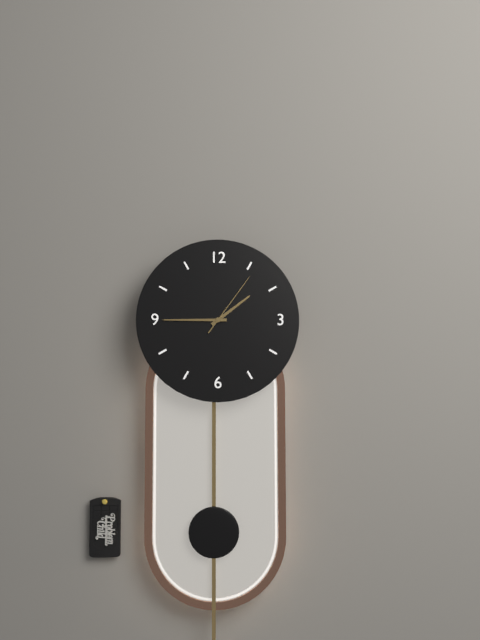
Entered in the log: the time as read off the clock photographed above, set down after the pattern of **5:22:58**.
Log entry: **1:45:06**
